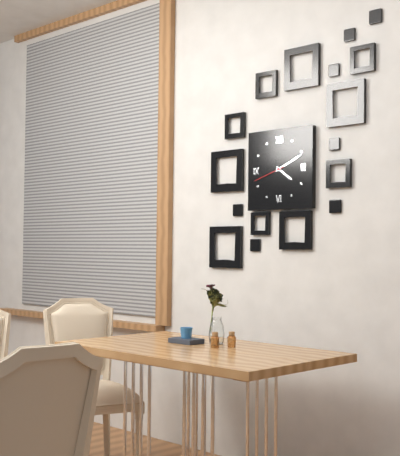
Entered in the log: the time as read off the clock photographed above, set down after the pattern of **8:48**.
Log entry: **4:11**
